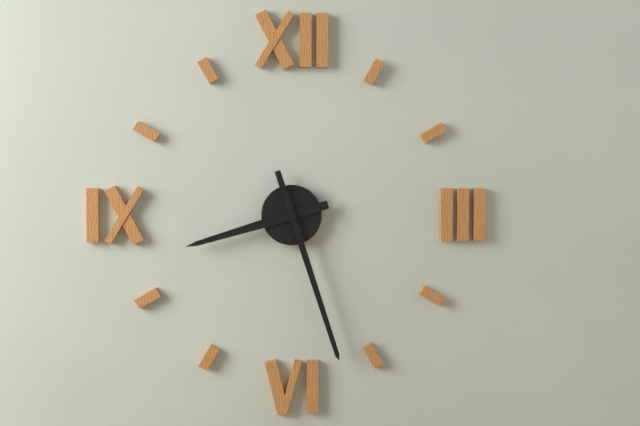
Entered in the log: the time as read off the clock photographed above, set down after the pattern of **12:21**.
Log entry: **8:27**
